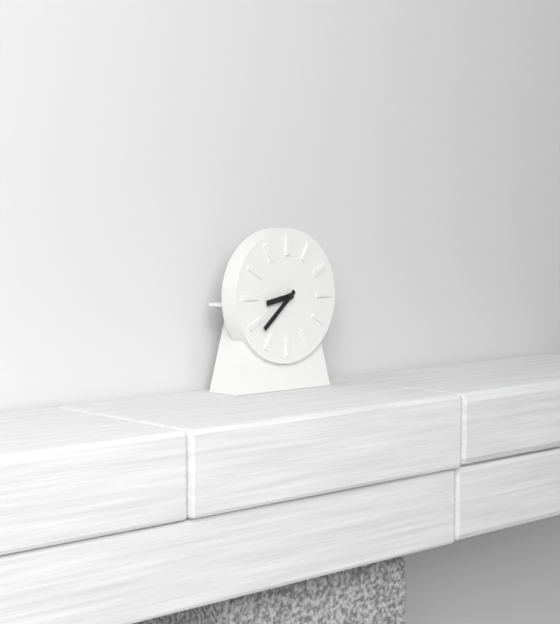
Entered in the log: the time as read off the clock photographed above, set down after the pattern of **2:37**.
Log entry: **8:38**
